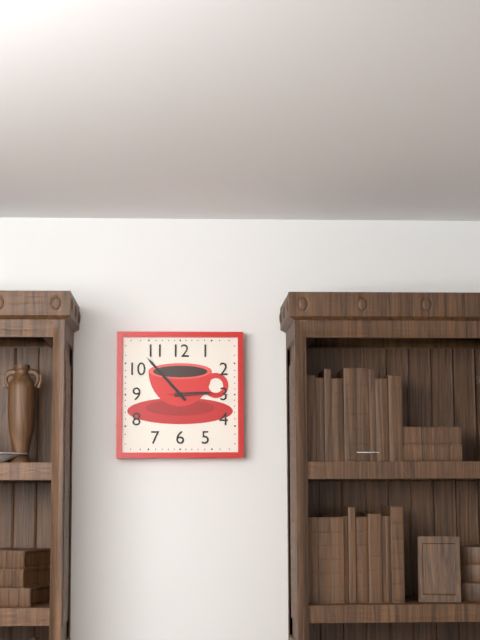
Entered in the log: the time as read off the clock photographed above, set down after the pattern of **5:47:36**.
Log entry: **2:53:15**
